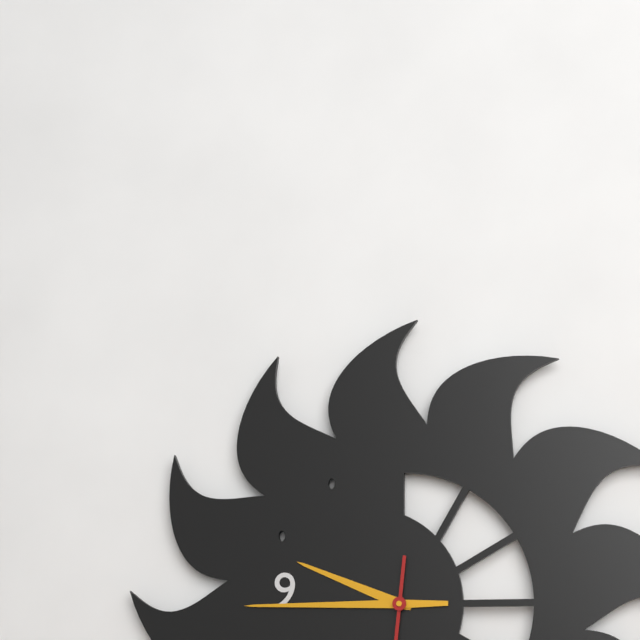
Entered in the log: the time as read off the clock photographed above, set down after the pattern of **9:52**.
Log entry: **9:45**
